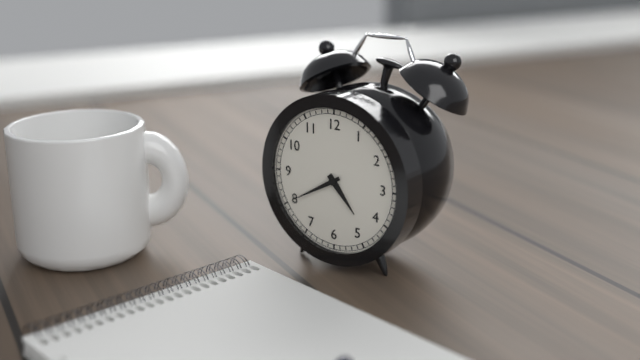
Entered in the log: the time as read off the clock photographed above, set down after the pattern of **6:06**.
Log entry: **4:40**
